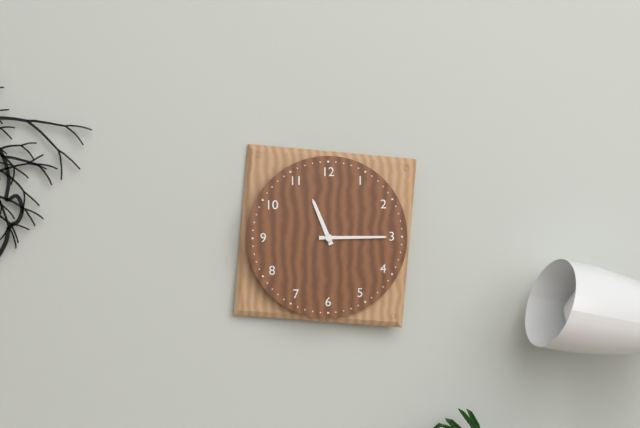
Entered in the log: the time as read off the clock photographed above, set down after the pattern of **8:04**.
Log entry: **11:15**
